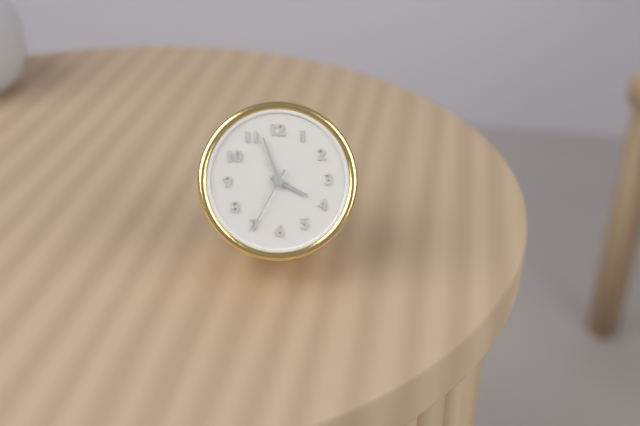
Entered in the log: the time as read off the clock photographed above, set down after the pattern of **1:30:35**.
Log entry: **3:57:35**
